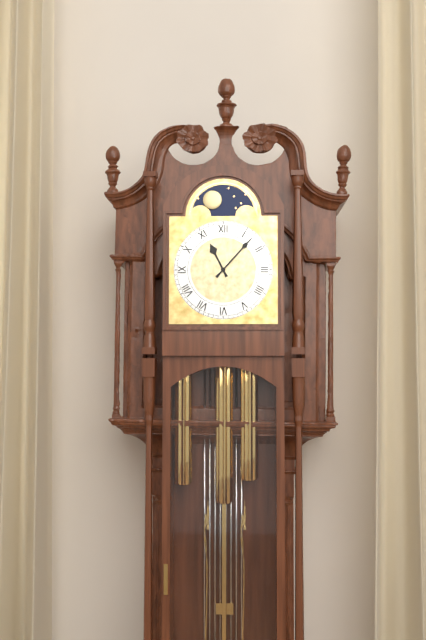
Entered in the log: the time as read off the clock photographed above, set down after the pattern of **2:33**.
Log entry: **11:07**
